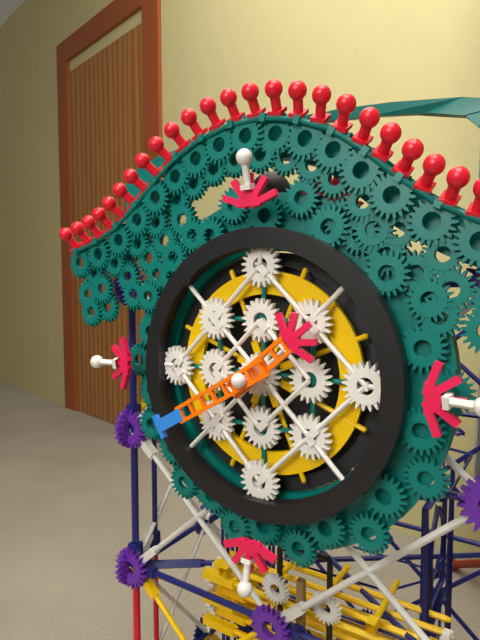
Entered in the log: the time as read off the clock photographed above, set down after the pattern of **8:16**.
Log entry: **1:40**
